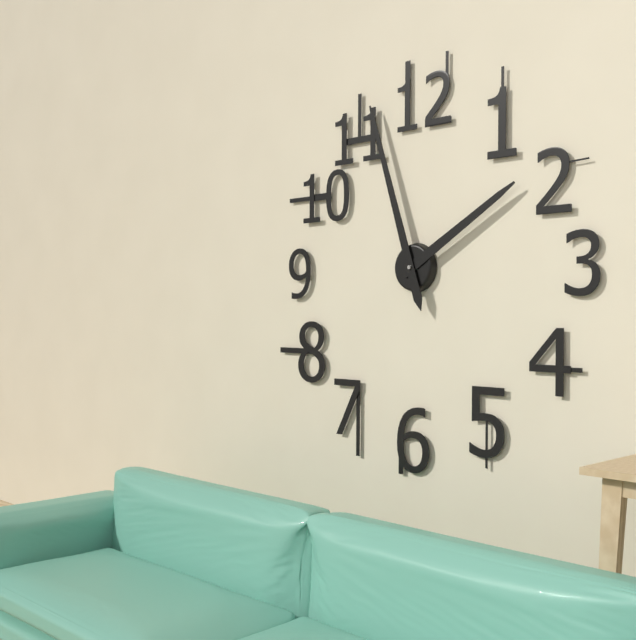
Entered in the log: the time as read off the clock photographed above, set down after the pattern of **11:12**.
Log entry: **1:57**
